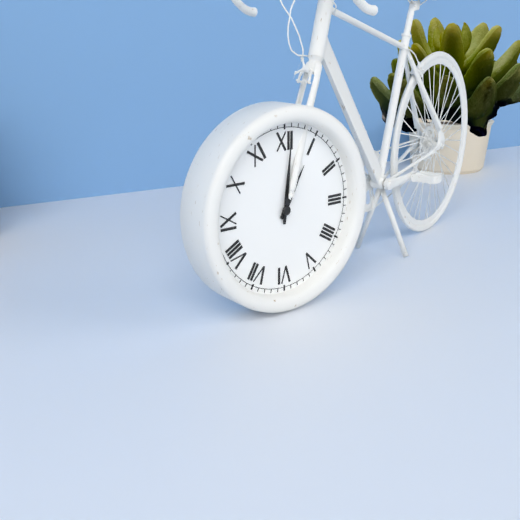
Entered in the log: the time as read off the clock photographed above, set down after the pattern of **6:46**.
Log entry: **1:01**
